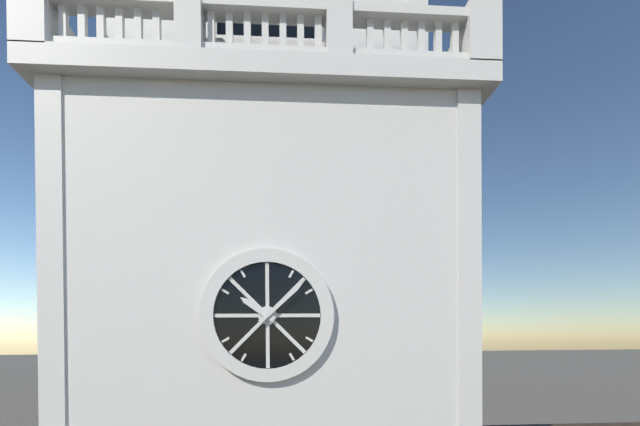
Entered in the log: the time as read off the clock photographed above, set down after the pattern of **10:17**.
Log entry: **10:08**
